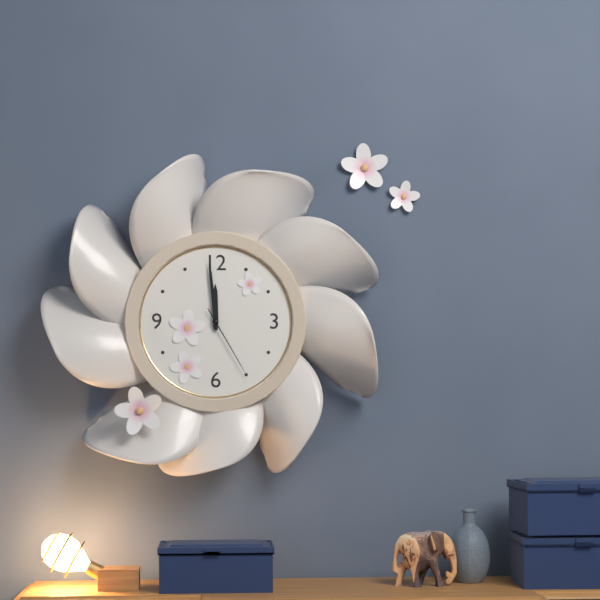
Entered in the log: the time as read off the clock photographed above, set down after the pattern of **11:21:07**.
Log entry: **11:59:25**
